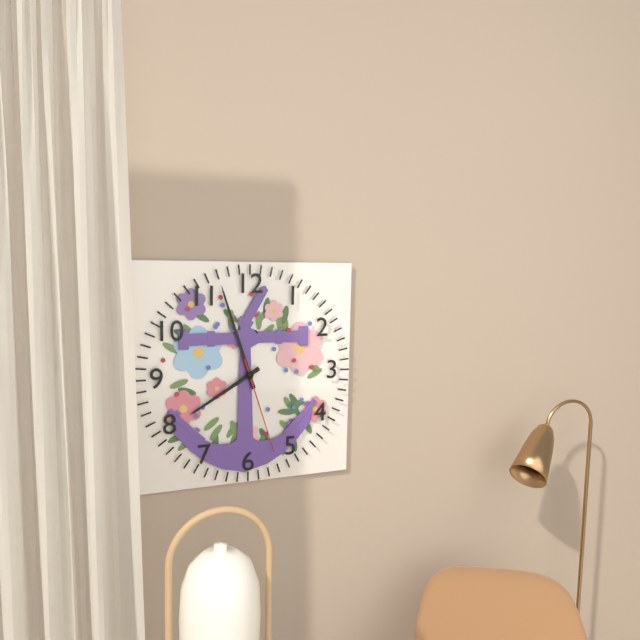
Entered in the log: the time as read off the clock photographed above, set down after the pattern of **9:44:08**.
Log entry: **7:57:27**
